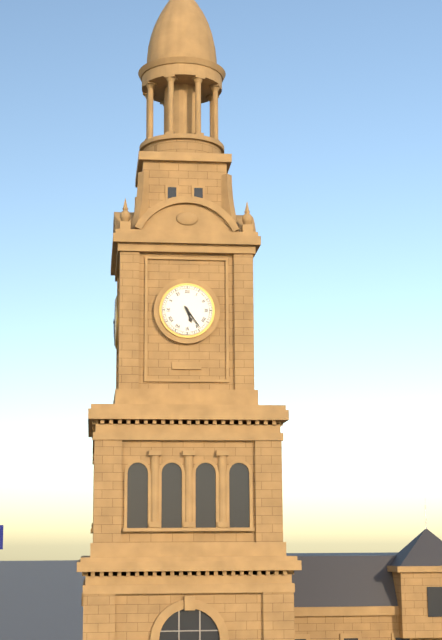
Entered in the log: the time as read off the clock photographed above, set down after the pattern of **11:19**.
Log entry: **5:24**
